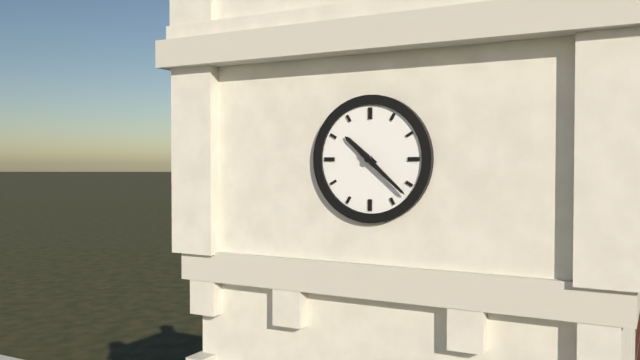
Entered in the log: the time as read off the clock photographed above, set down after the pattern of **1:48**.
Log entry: **10:22**
